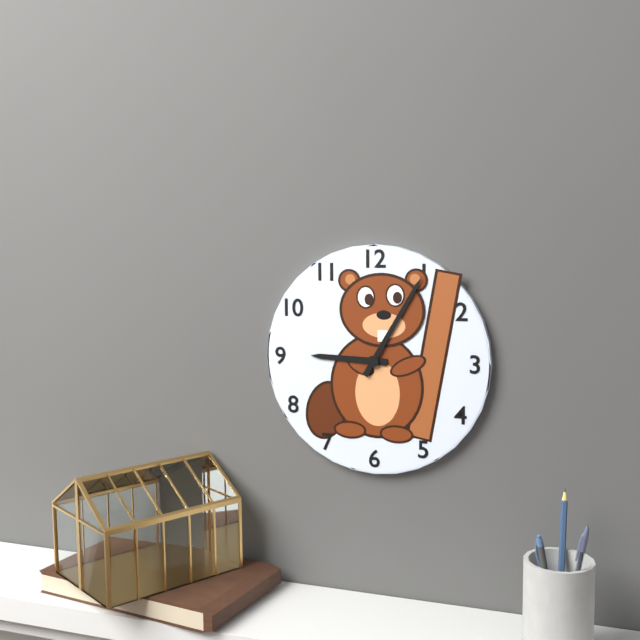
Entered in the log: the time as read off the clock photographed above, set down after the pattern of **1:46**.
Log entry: **9:05**
